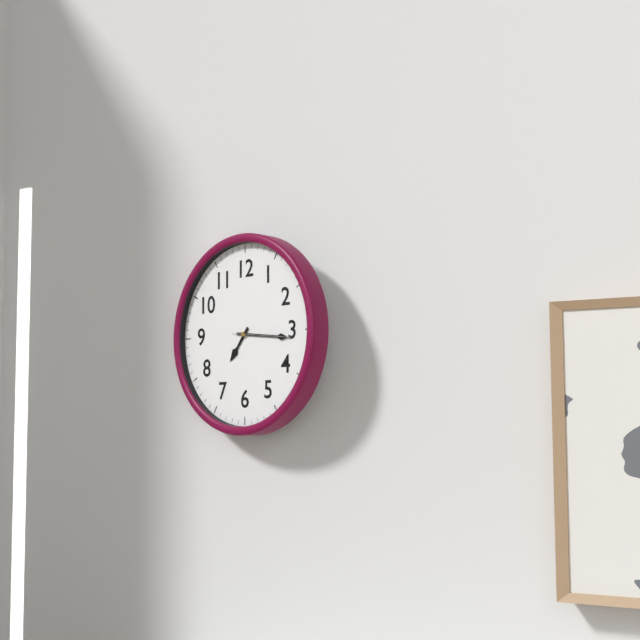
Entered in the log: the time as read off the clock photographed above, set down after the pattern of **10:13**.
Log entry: **7:16**
